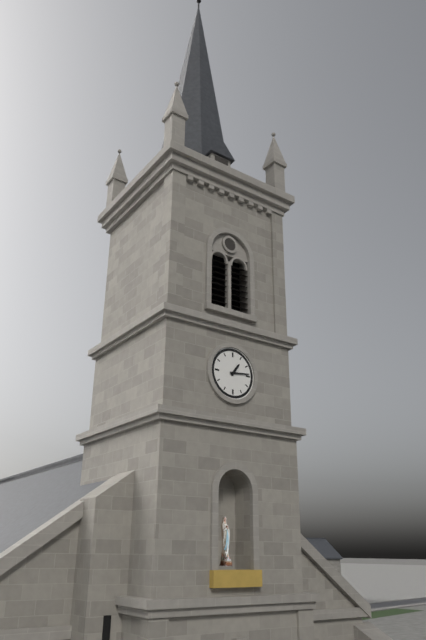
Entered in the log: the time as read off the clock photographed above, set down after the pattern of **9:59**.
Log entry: **1:14**
